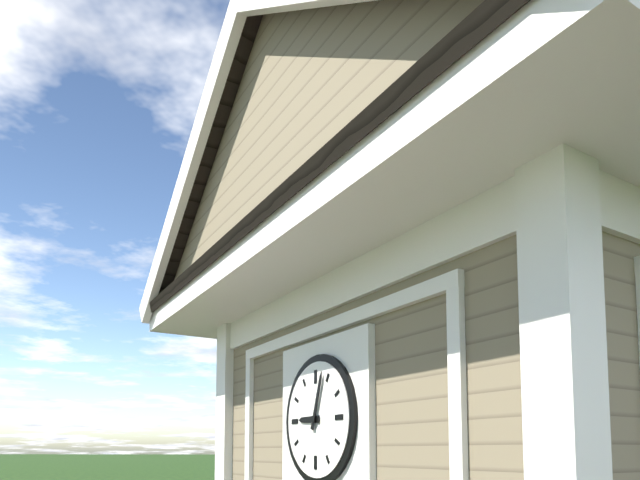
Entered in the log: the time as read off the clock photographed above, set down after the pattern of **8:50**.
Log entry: **9:03**
